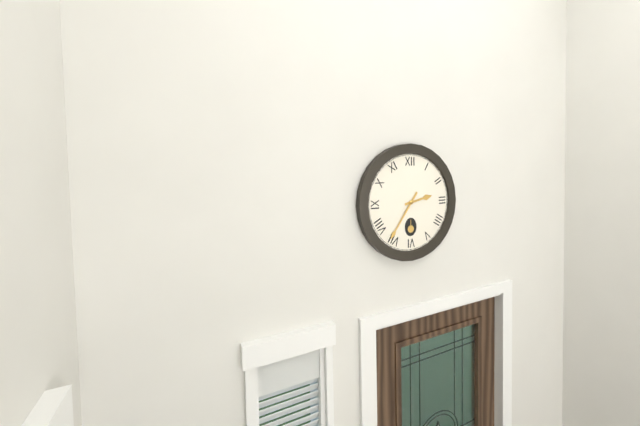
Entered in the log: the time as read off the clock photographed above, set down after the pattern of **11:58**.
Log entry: **2:36**
